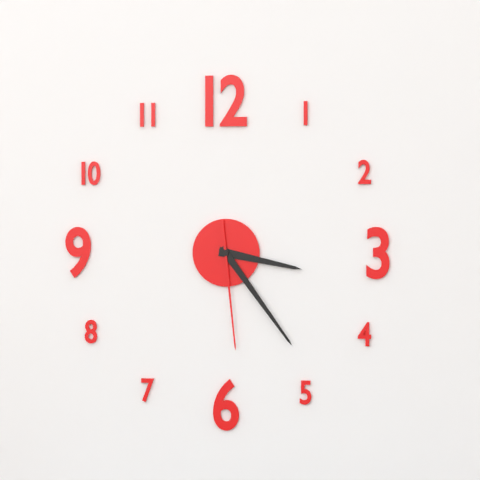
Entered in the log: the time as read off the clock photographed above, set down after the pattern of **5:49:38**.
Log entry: **3:24:29**
